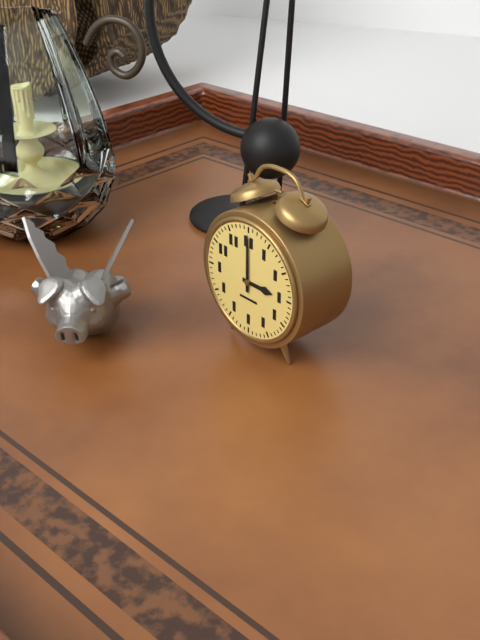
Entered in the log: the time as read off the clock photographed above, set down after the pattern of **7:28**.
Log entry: **3:00**
